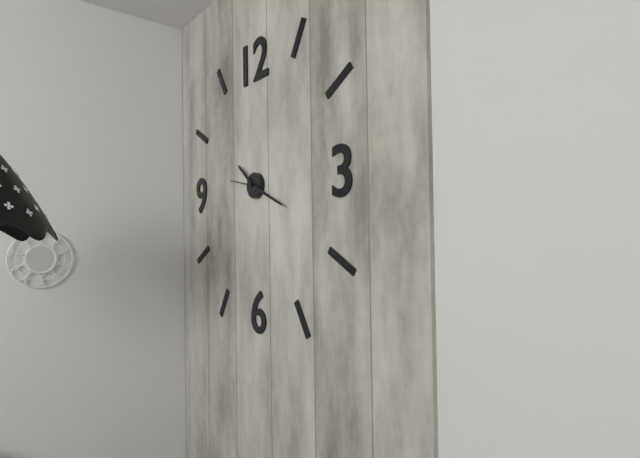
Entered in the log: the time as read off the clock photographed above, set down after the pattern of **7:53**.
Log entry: **10:19**
